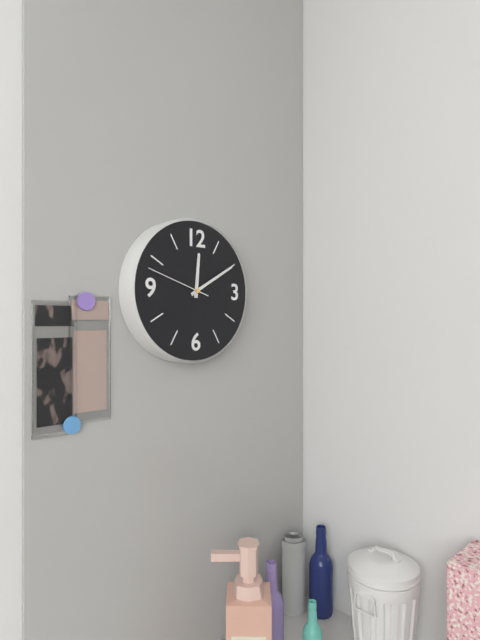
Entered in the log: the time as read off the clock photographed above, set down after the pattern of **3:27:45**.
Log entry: **12:10:48**
